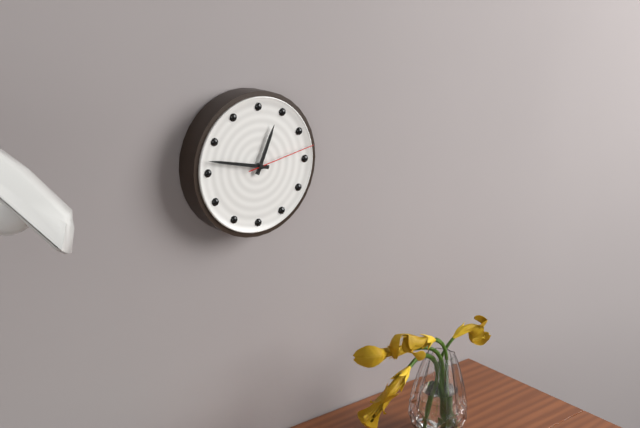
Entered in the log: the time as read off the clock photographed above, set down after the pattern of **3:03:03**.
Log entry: **12:47:13**
